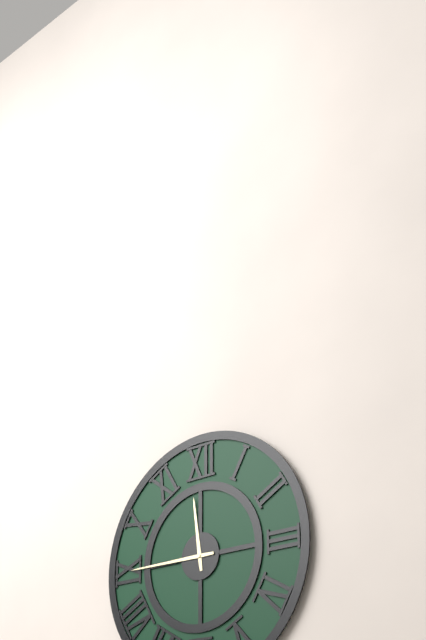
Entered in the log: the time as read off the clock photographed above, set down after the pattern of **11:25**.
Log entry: **11:45**
